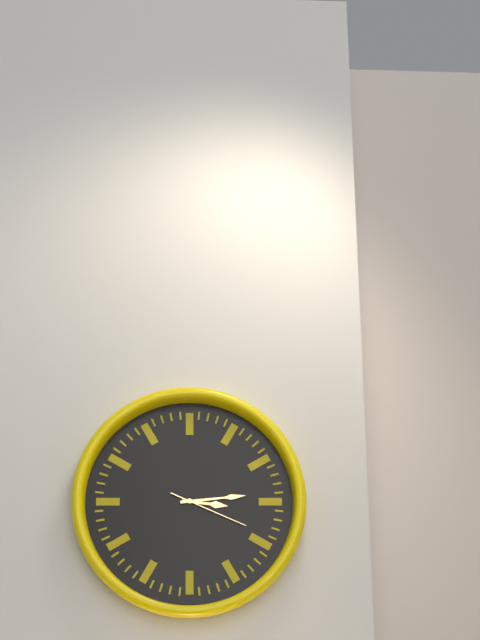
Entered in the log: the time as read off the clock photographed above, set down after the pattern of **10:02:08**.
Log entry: **3:14:19**
